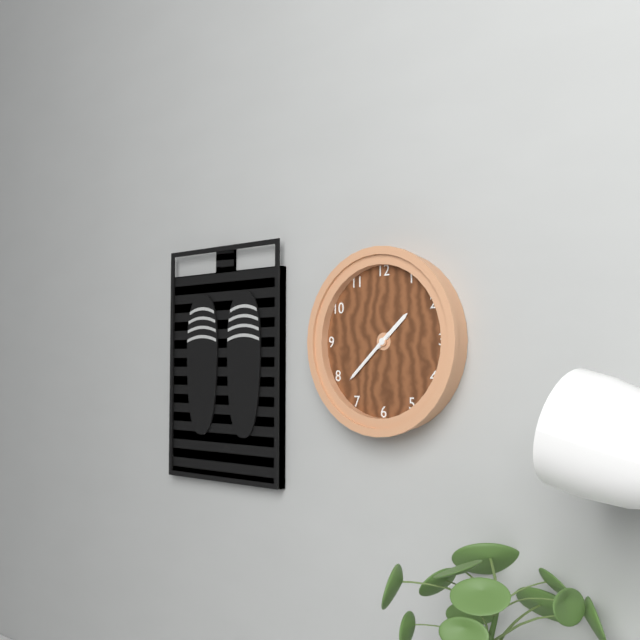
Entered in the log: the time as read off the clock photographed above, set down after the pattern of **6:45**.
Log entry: **1:38**
